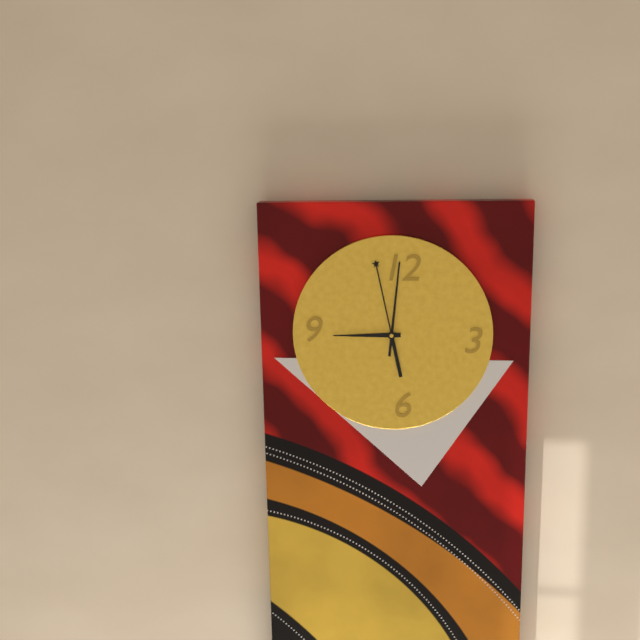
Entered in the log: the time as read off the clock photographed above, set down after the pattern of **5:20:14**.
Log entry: **8:58:01**
